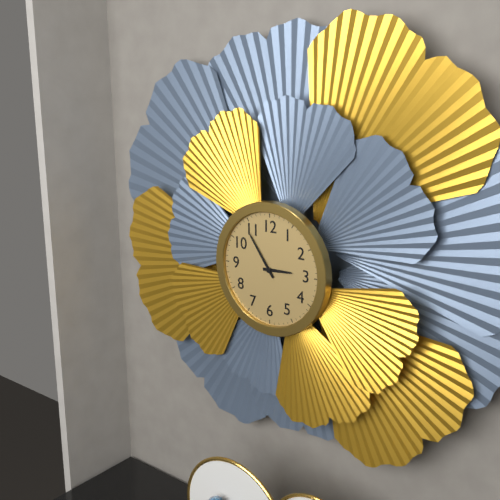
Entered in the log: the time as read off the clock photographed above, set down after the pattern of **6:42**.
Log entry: **2:54**
